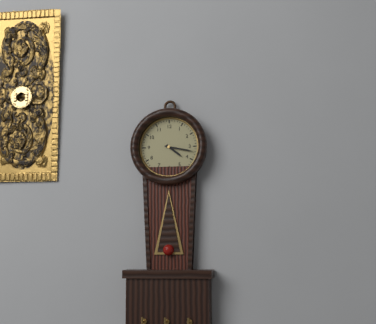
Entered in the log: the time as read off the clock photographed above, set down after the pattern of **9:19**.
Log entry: **4:17**
